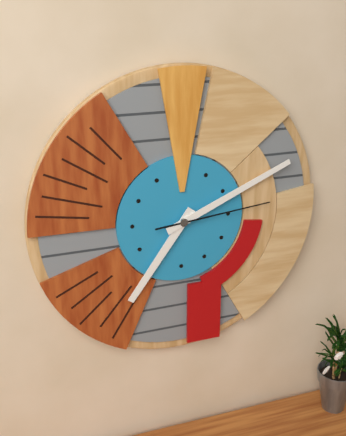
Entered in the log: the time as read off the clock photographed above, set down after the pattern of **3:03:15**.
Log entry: **7:11:14**
